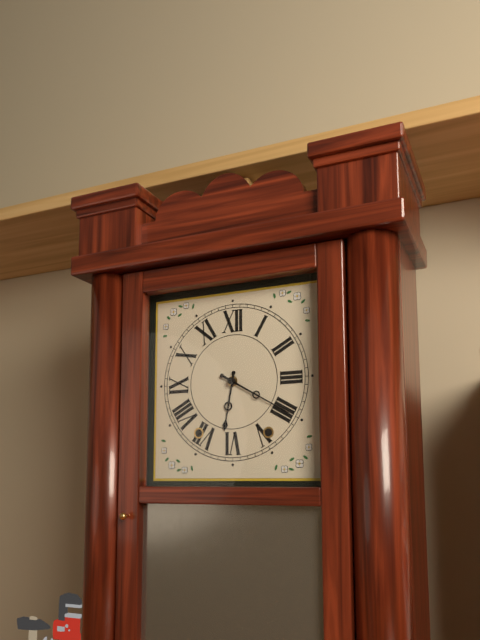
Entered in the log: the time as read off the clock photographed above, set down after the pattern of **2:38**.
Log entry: **6:20**
